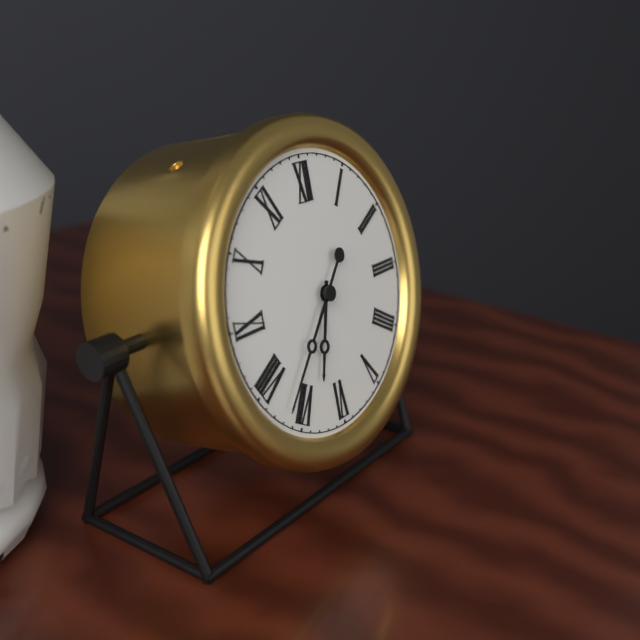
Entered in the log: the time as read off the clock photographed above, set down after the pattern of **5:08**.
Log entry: **6:37**
